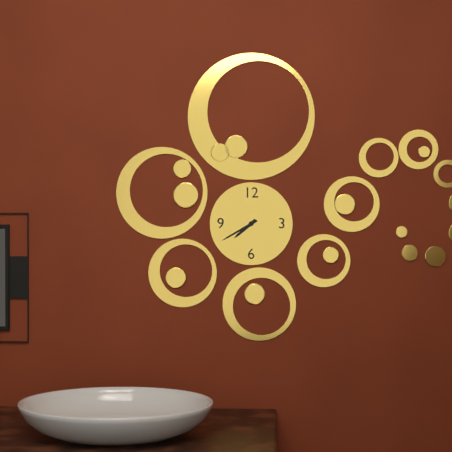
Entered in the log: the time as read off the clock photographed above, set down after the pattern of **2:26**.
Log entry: **7:40**
